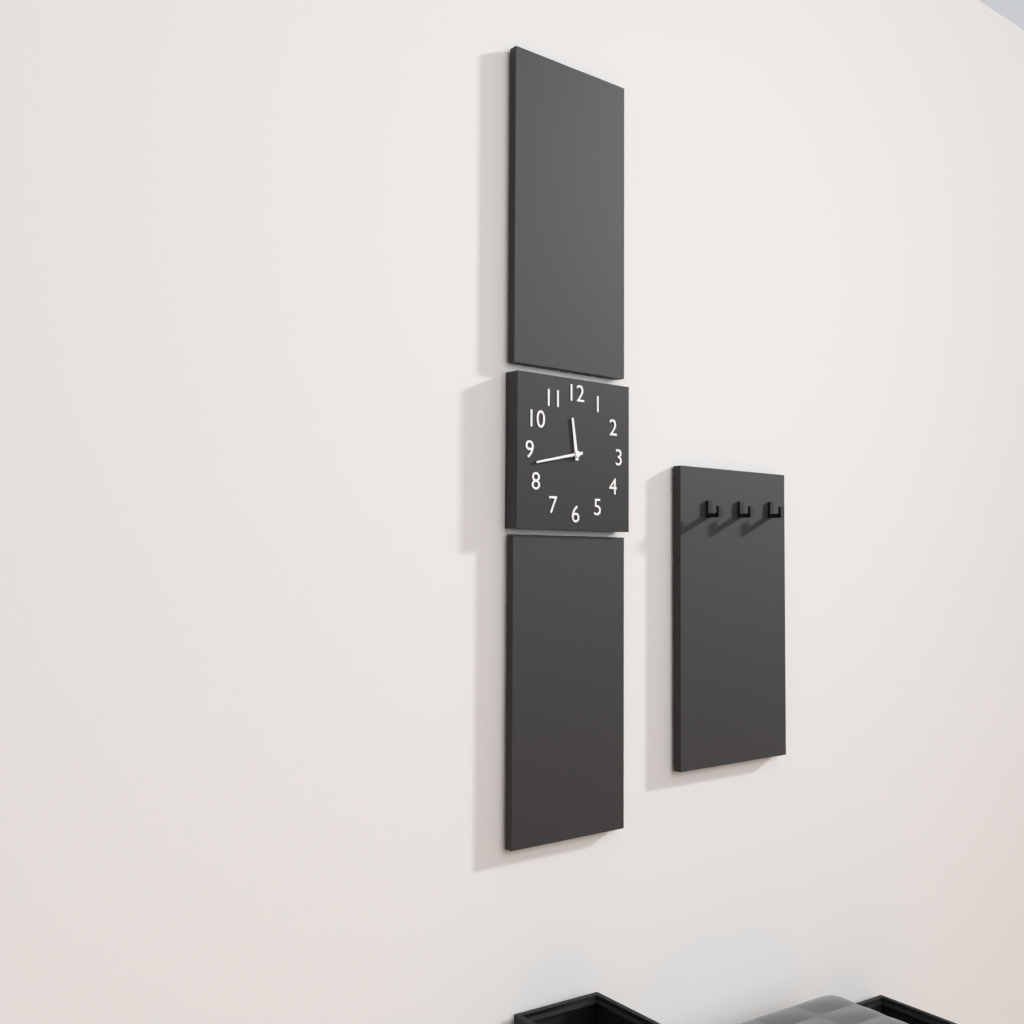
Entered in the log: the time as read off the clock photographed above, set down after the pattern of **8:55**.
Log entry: **11:43**
